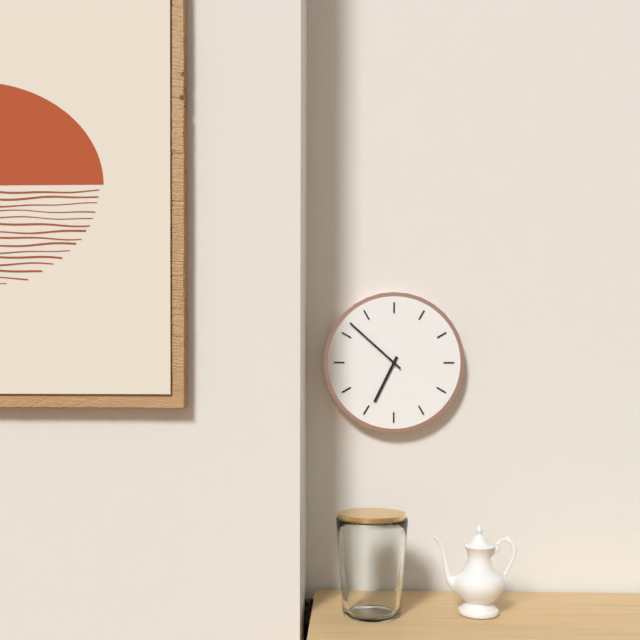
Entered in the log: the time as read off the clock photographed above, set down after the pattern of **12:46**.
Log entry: **6:52**
